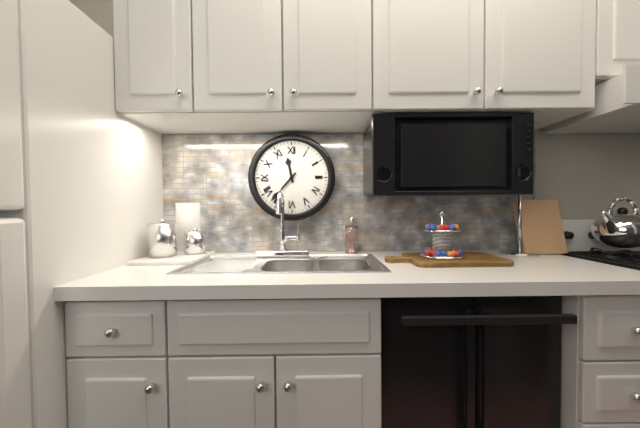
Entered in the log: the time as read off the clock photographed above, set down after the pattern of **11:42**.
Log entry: **11:37**
